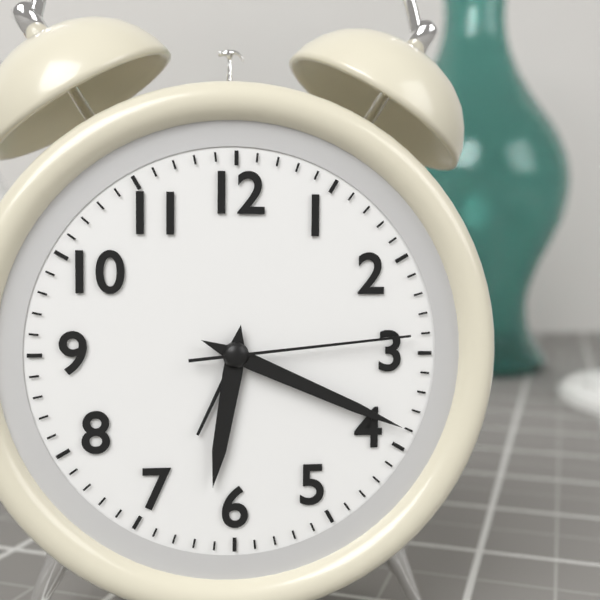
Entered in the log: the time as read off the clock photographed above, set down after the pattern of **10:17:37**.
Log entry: **6:19:14**
